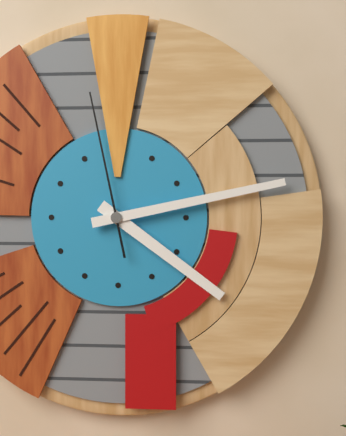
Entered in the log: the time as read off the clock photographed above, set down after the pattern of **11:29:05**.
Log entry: **4:13:58**
